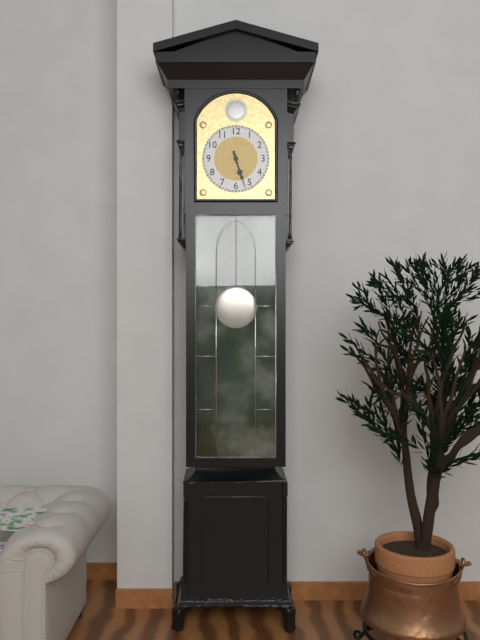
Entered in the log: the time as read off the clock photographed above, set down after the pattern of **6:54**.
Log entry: **5:27**
